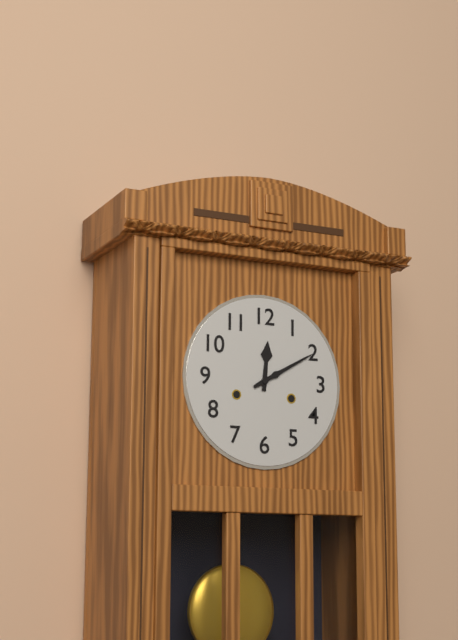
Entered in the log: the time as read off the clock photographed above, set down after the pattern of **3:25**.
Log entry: **12:10**
